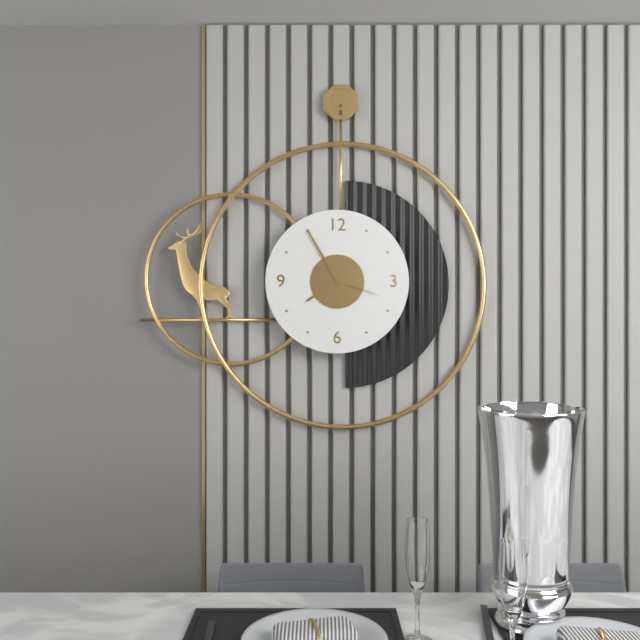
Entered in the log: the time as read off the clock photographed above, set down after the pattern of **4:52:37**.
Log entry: **7:55:18**
